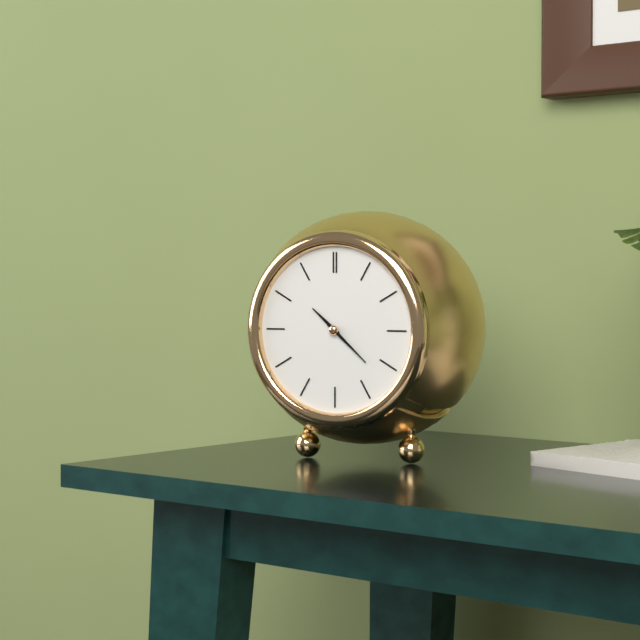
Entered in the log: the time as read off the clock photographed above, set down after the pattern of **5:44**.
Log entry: **10:22**
